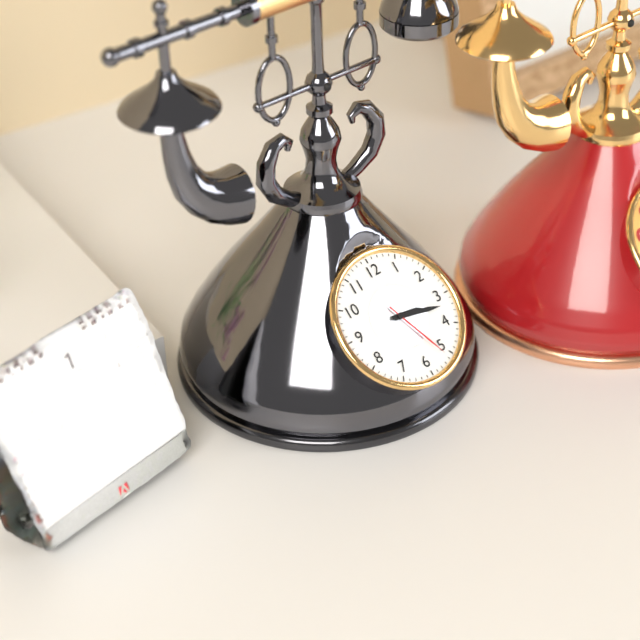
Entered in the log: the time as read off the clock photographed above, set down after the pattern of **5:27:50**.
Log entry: **3:17:26**
